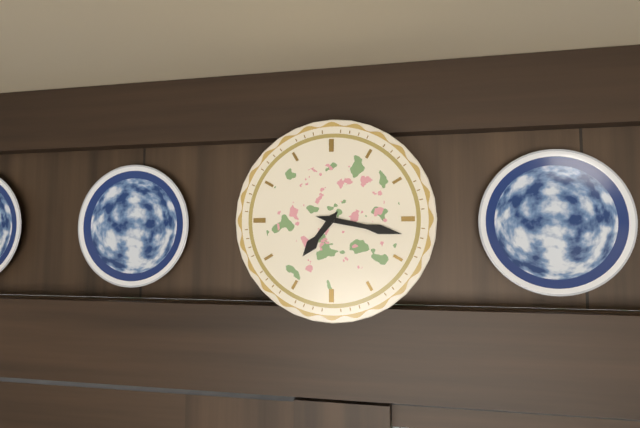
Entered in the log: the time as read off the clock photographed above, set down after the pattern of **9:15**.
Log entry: **7:17**
